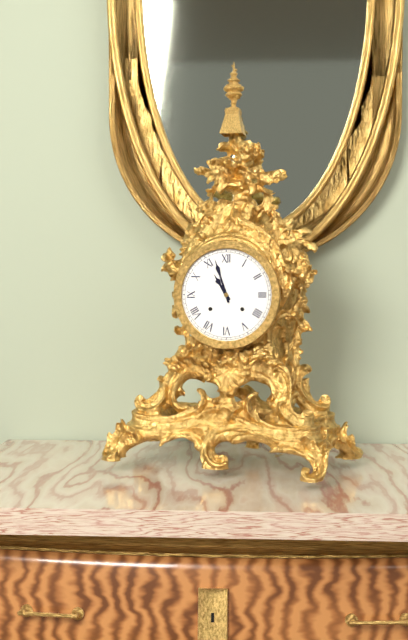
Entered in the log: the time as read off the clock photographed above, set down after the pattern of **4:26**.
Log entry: **10:57**
